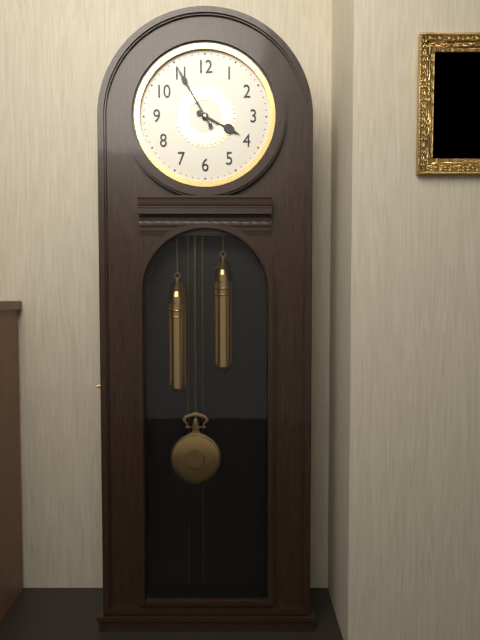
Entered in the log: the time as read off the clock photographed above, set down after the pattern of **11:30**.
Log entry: **3:55**
